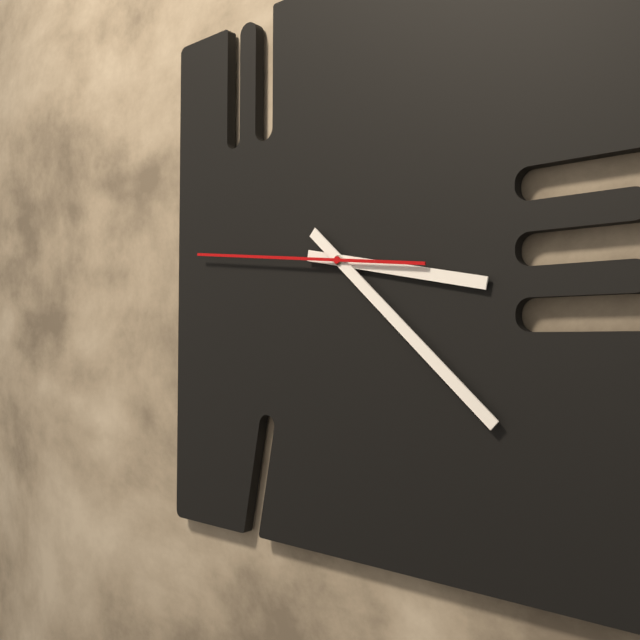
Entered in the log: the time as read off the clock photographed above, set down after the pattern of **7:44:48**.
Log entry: **3:22:46**
